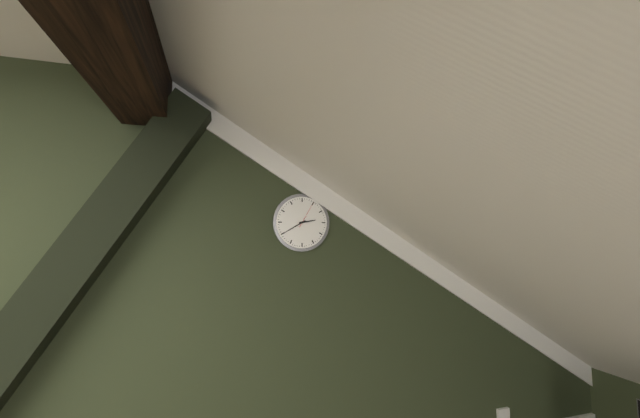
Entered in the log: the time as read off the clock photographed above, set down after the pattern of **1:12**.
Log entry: **2:40**
